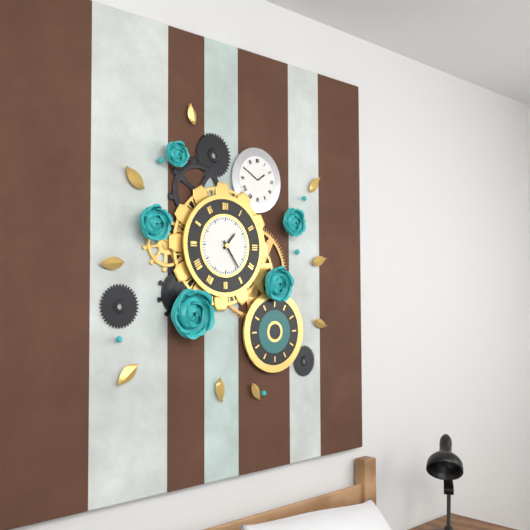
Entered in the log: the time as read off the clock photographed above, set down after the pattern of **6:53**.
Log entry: **1:24**
